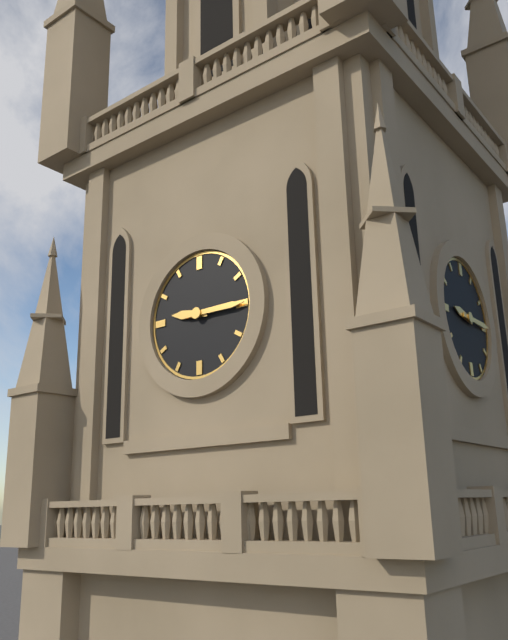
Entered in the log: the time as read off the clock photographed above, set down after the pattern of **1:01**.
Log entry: **9:15**
